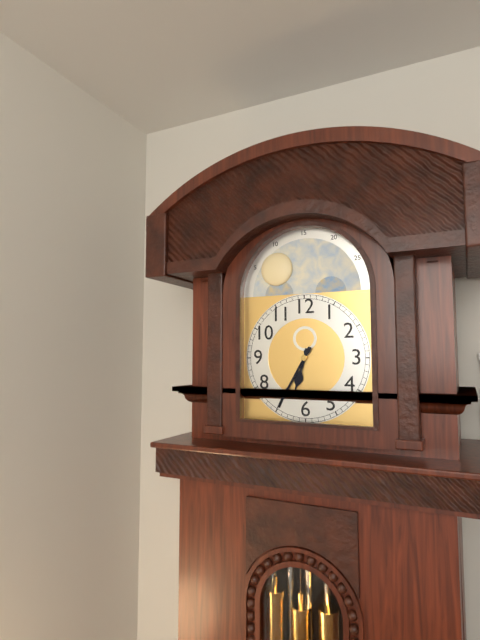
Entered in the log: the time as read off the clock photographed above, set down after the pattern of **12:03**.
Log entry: **6:35**
